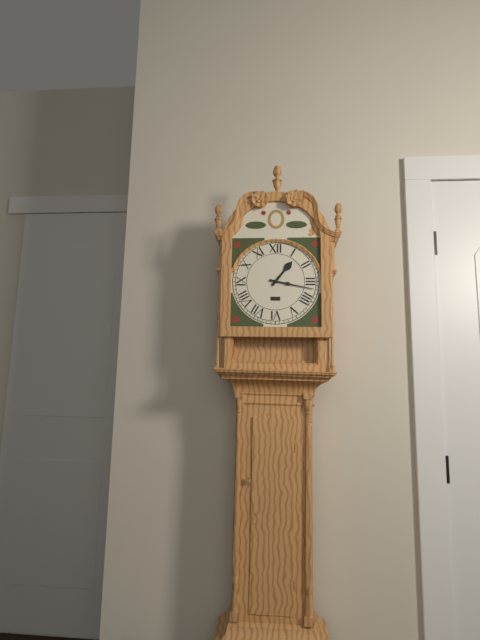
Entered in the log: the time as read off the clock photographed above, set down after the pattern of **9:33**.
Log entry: **1:17**
